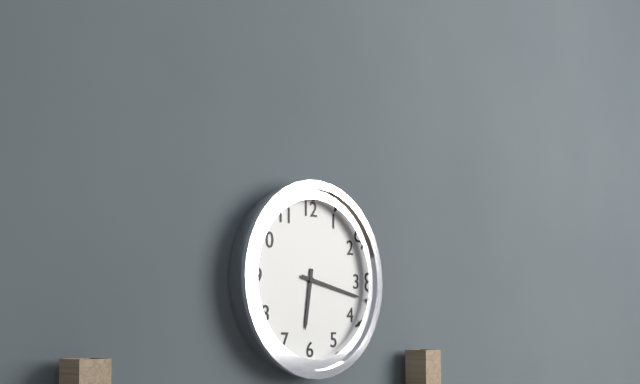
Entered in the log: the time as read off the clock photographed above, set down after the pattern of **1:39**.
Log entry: **6:17**
